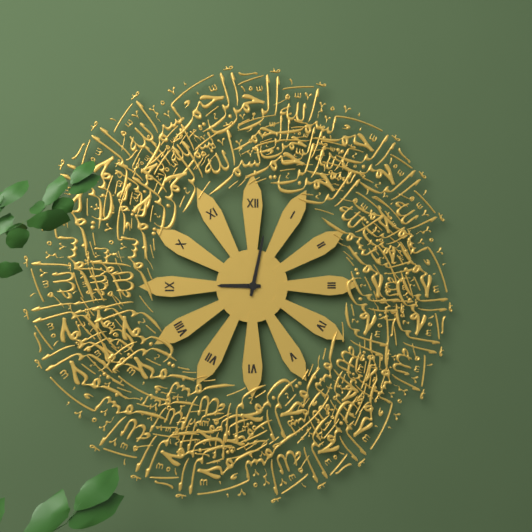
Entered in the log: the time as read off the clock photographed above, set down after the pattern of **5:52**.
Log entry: **9:02**
